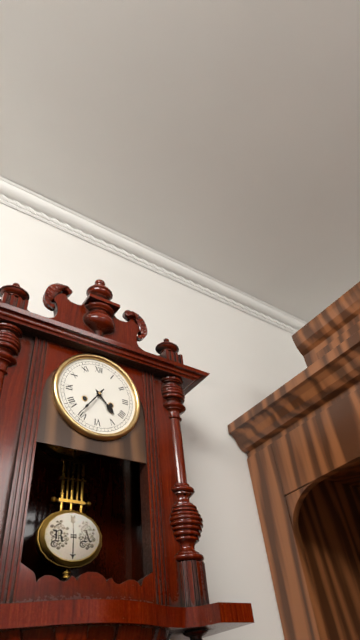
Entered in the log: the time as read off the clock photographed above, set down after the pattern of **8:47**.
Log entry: **4:36**
